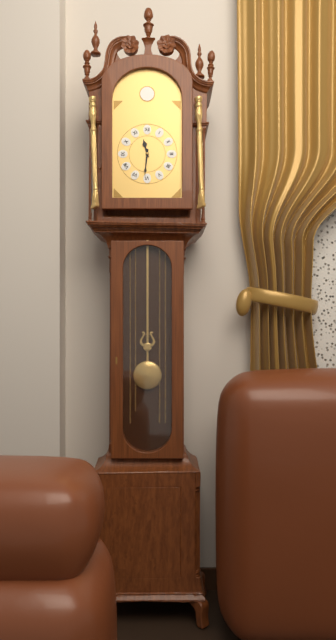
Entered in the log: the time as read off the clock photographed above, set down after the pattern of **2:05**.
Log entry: **11:31**
